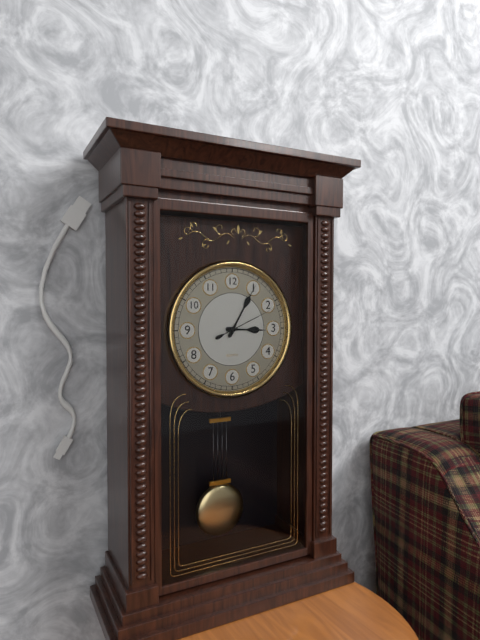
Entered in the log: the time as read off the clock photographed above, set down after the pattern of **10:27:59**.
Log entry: **3:05:11**
